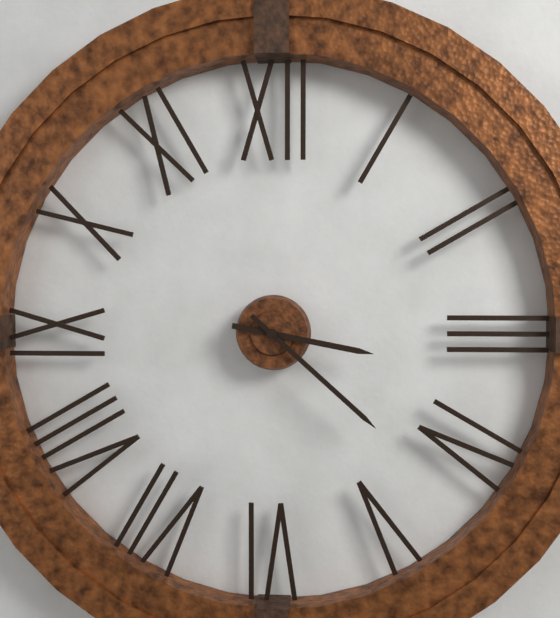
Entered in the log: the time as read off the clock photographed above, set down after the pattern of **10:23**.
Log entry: **3:22**
